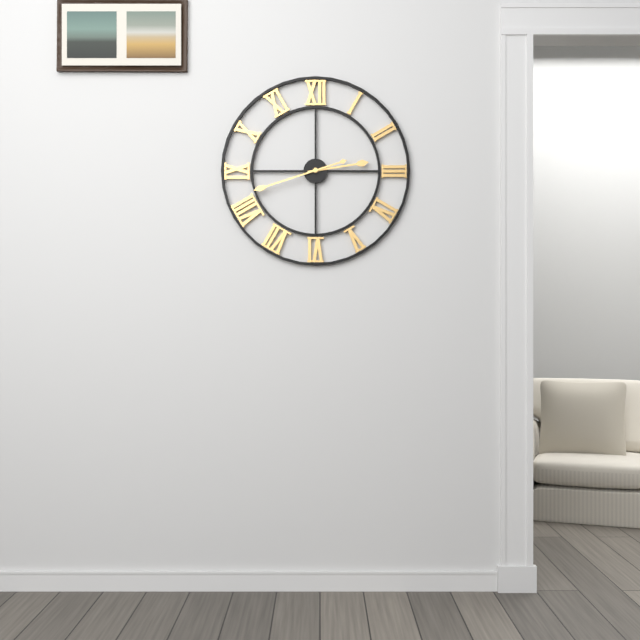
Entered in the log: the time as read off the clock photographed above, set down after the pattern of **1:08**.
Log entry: **2:42**
